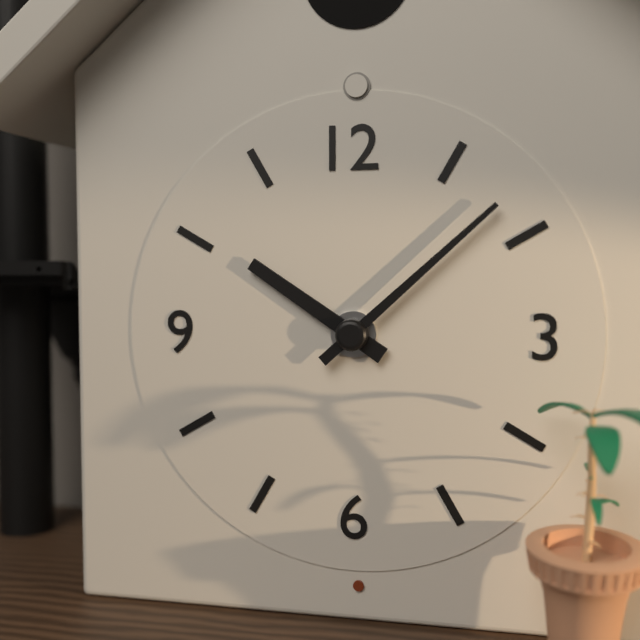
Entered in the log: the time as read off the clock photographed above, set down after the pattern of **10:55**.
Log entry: **10:08**
